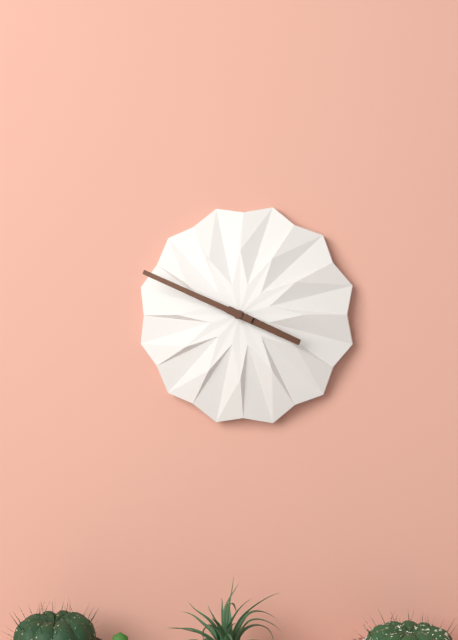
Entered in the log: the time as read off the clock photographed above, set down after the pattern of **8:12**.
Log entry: **3:49**
